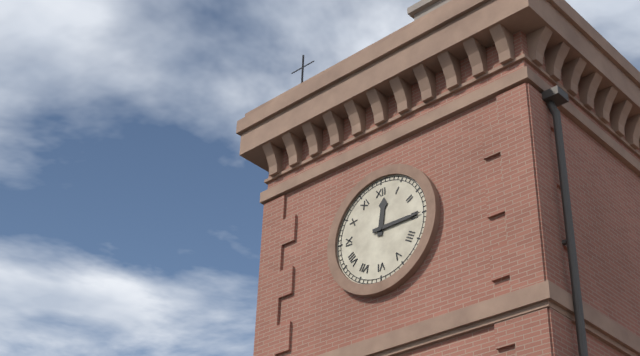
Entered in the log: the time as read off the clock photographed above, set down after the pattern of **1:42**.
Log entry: **12:15**
